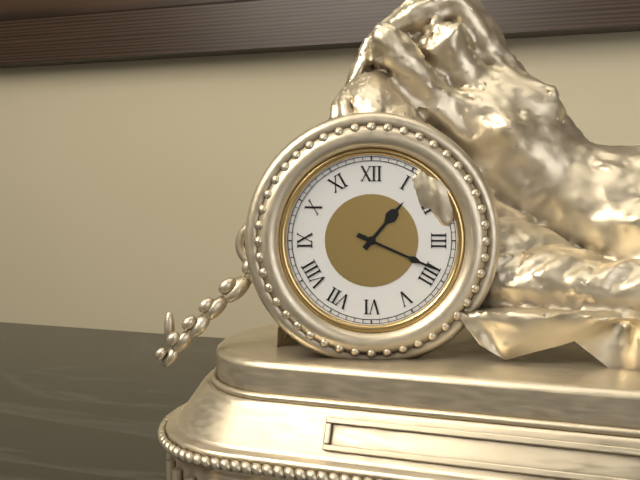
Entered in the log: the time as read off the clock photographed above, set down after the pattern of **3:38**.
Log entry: **1:19**
